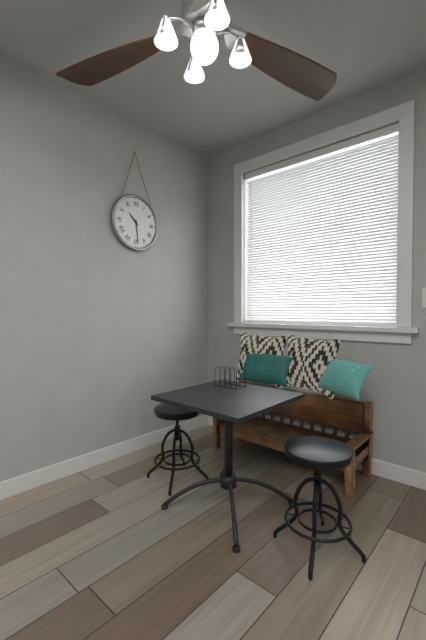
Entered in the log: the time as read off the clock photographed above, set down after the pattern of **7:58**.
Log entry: **10:29**
